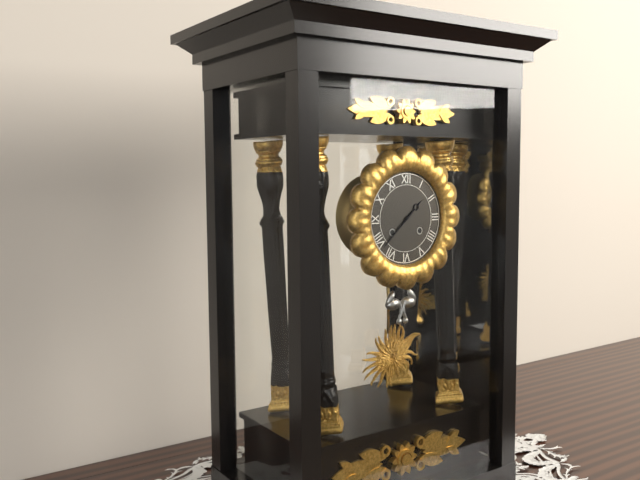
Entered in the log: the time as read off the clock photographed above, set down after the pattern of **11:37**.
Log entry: **1:38**
